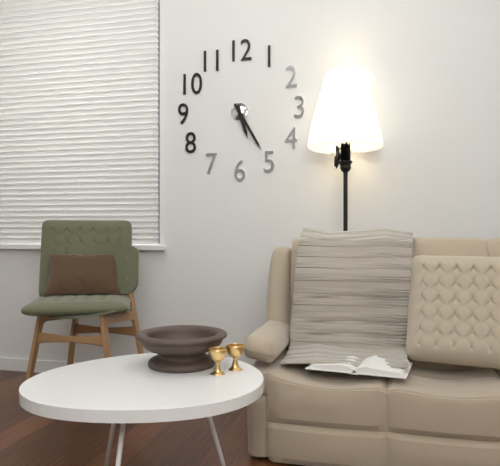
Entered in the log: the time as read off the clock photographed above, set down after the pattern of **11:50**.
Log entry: **5:25**
